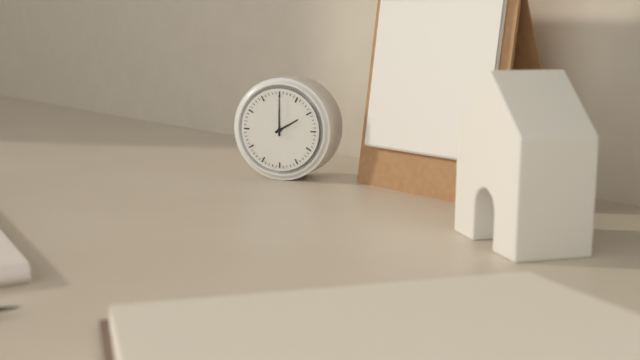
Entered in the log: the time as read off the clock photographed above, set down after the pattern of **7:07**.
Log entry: **2:00**
